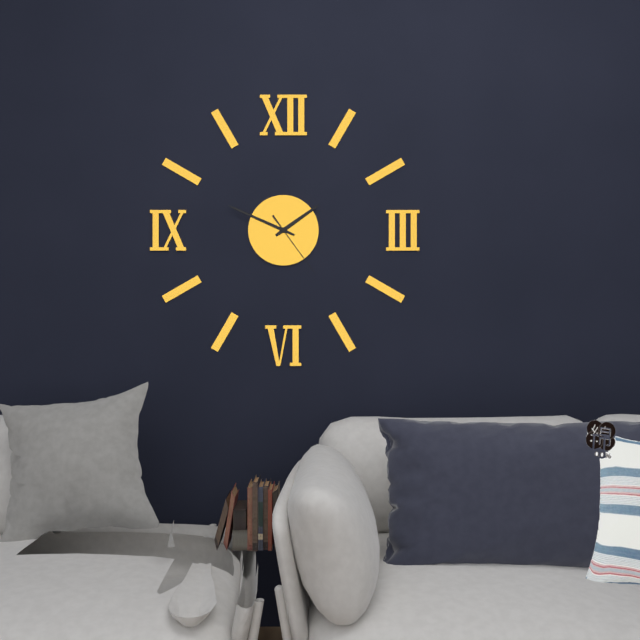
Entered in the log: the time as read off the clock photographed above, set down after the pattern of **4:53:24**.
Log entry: **1:49:24**
